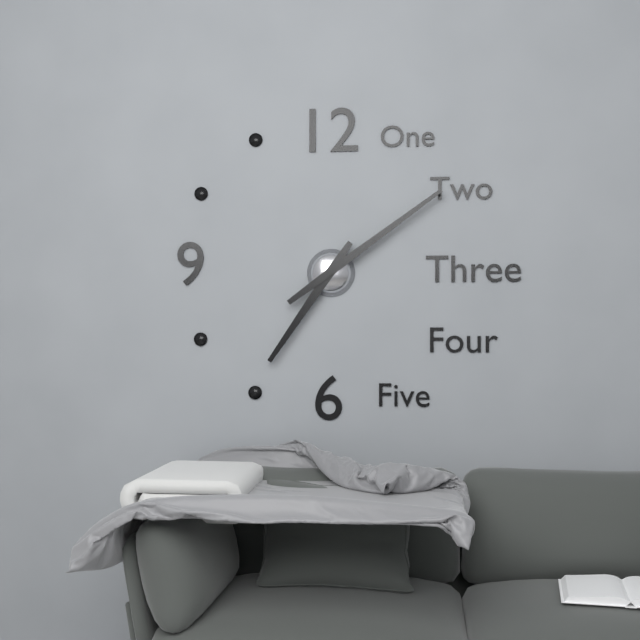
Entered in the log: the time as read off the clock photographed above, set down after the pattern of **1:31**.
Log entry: **7:09**
